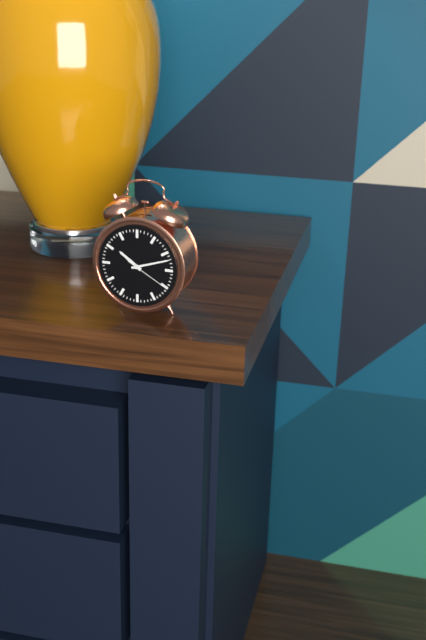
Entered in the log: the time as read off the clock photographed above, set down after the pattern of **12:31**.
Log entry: **10:12**
